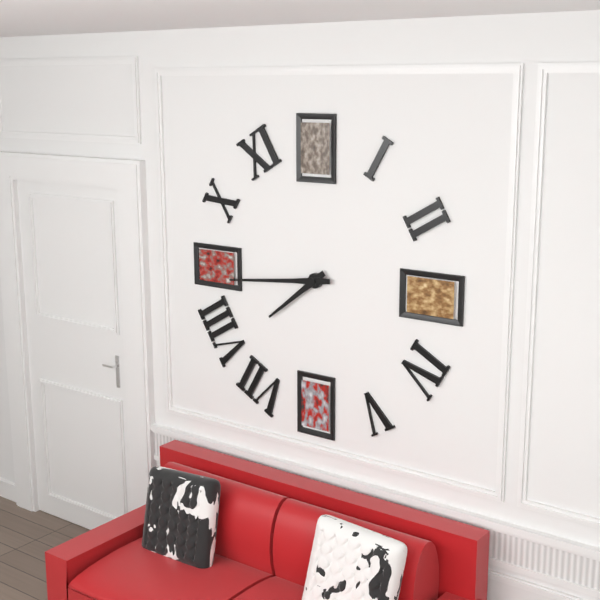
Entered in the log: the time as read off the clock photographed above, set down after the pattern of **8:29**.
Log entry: **7:44**
